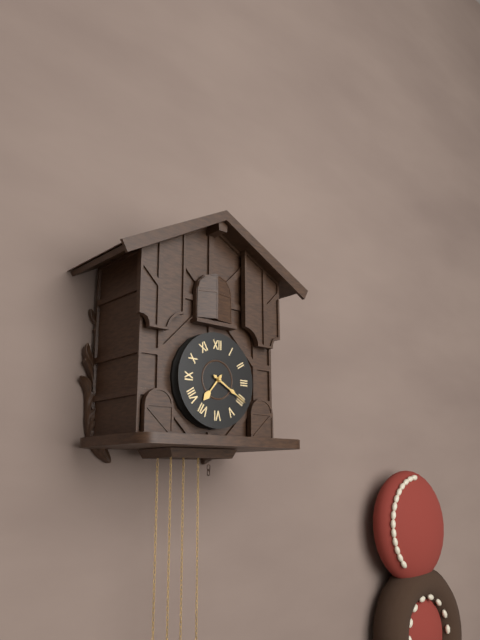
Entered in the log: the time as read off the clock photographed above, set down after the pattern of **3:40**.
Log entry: **7:20**
